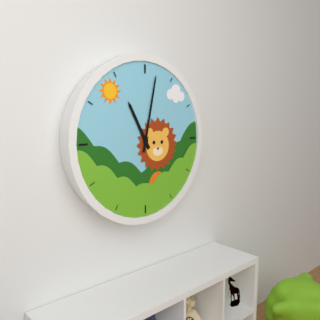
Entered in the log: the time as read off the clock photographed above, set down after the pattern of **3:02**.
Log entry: **11:02**
